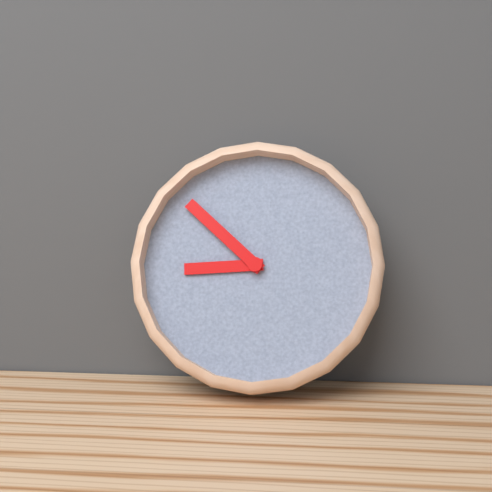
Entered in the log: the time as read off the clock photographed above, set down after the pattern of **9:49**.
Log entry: **8:52**
